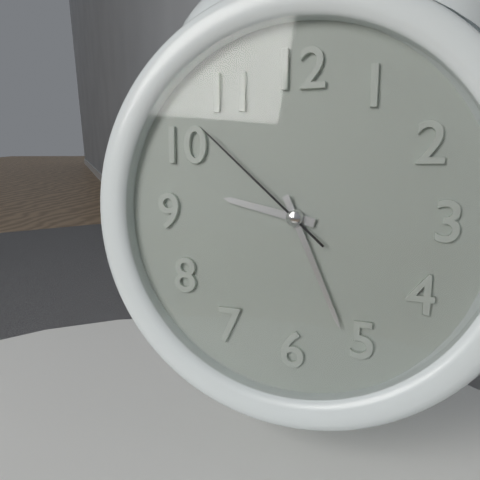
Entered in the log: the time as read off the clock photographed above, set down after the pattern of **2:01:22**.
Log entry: **9:26:52**
